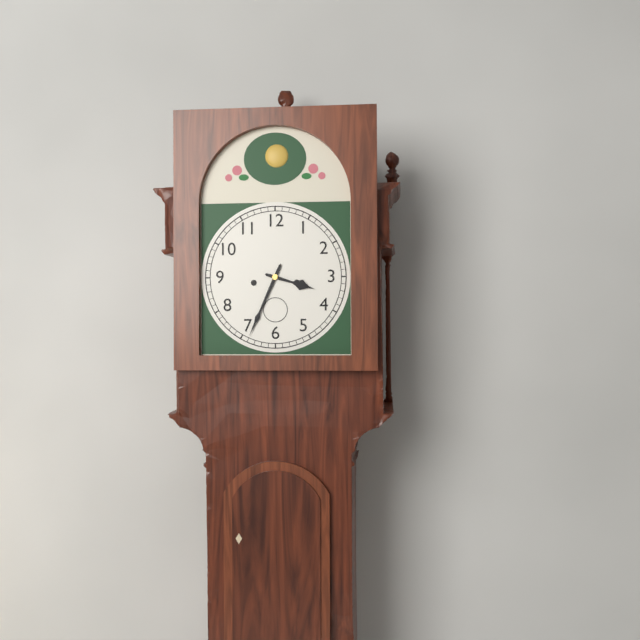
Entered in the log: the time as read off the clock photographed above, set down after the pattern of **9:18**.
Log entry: **3:34**
